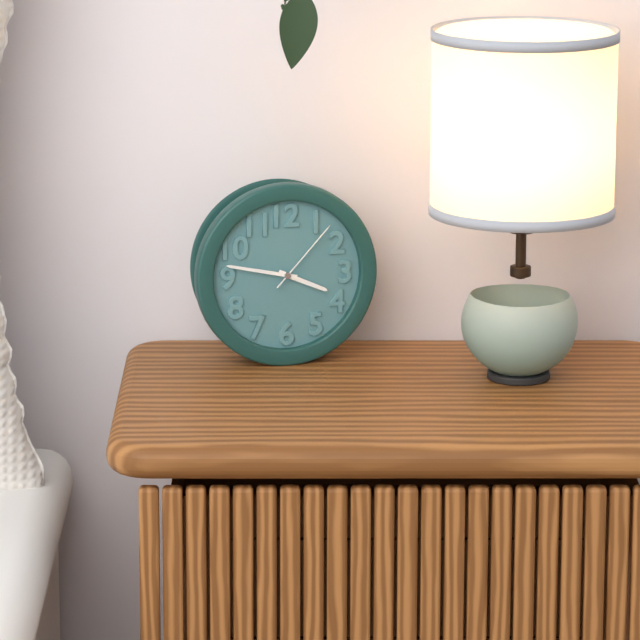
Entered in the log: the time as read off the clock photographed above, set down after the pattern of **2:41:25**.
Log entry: **3:47:07**
